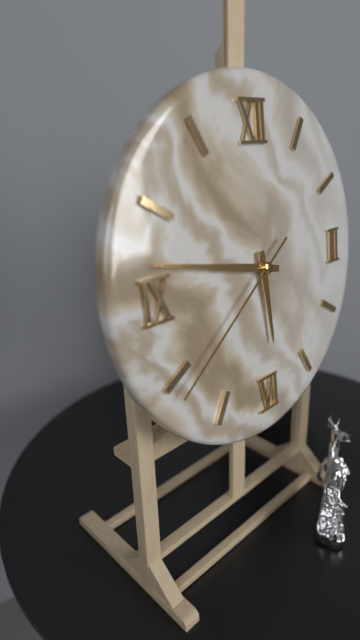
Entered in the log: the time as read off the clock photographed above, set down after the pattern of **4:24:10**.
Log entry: **5:47:39**
